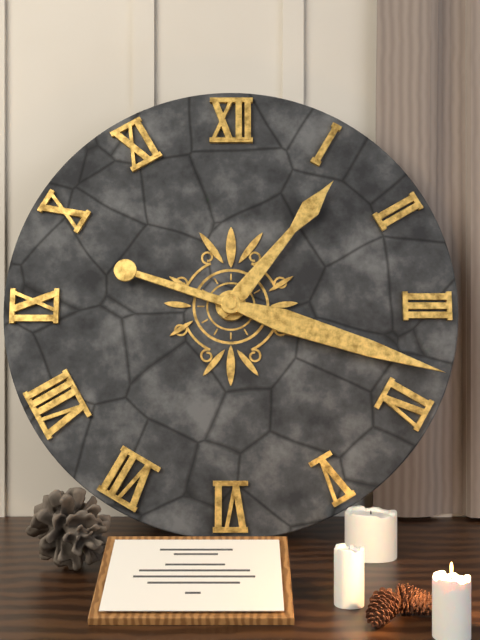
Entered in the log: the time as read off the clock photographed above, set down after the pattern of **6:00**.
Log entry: **1:18**
